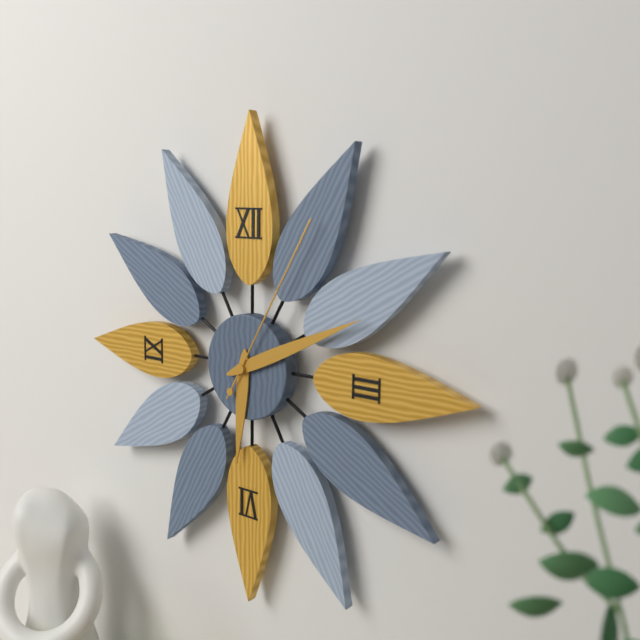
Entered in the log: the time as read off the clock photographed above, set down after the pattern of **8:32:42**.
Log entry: **6:11:05**
